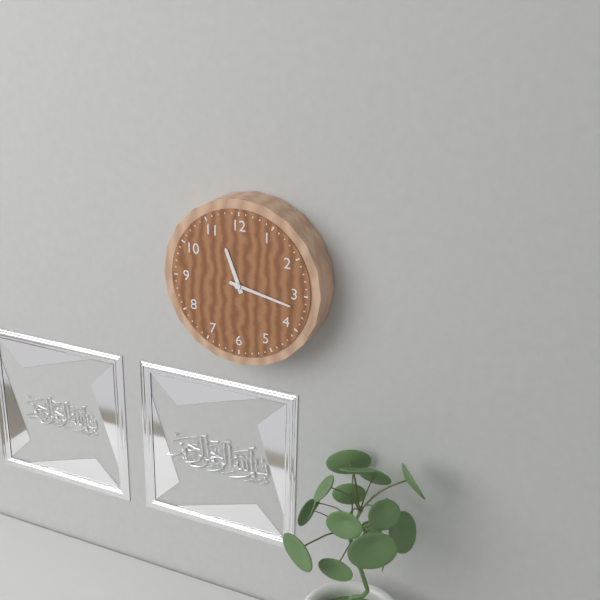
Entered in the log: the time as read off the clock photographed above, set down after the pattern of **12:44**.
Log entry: **11:17**
